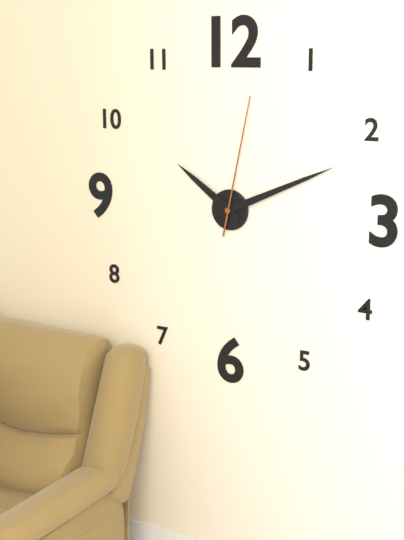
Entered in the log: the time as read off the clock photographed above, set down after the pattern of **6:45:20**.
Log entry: **10:11:02**
